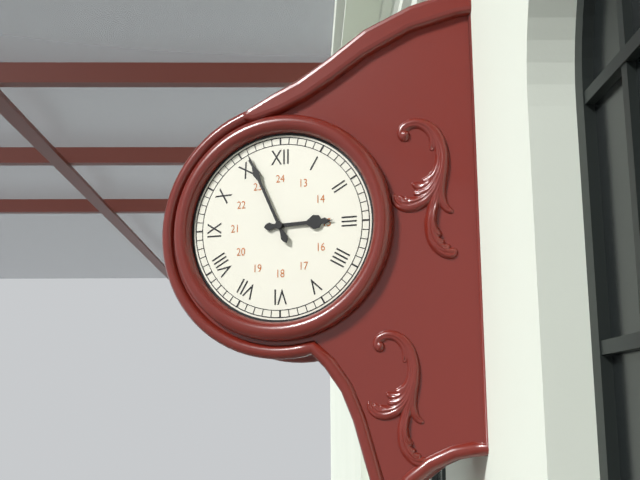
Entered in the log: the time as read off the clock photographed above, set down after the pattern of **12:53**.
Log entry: **2:56**
